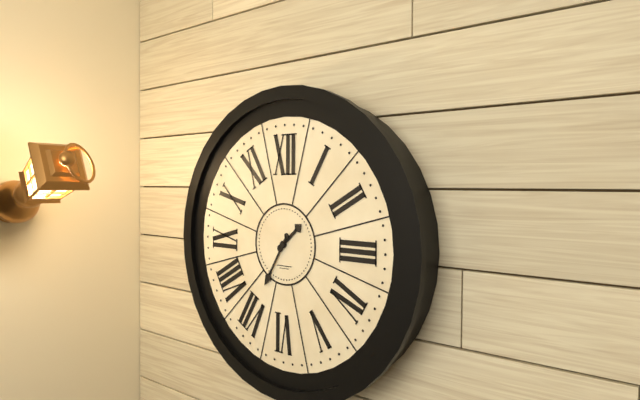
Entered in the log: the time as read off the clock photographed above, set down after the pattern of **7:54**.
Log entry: **1:35**
